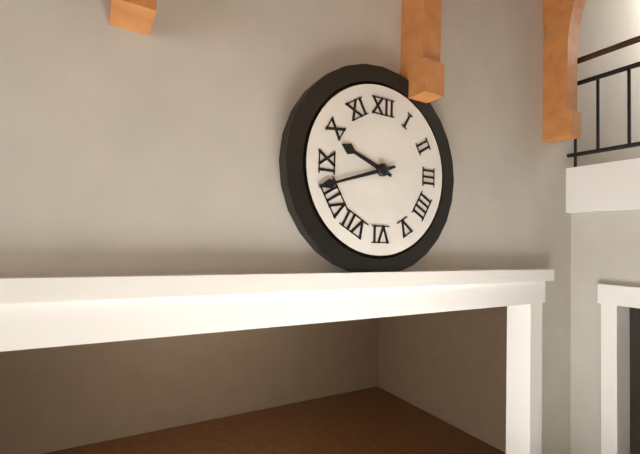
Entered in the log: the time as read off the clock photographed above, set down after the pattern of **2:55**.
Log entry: **9:42**
